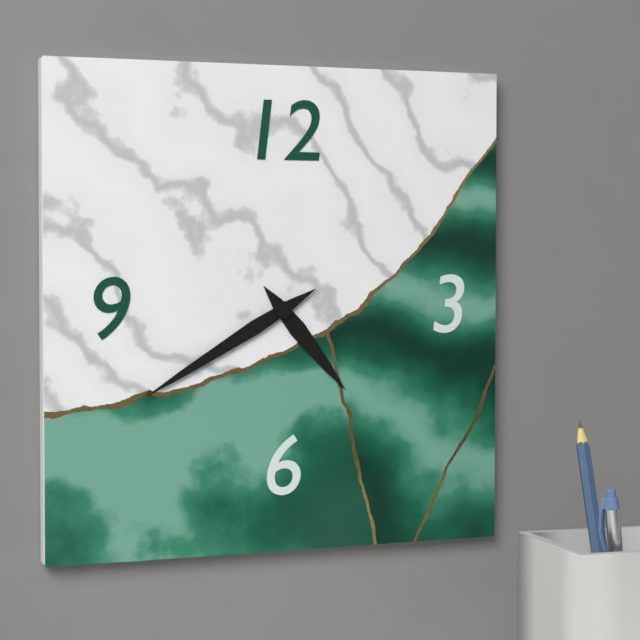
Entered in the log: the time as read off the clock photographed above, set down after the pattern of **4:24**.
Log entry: **4:40**
